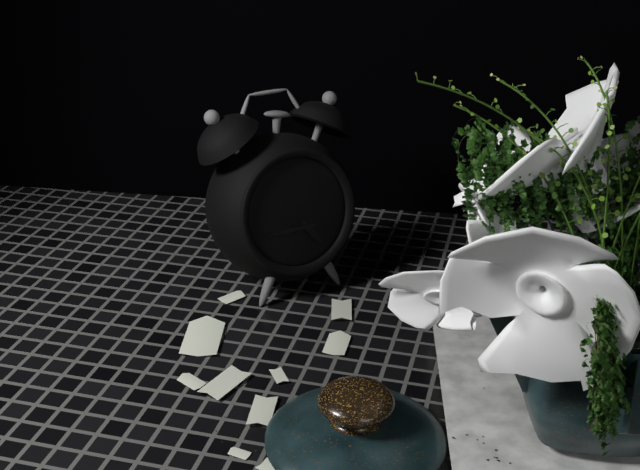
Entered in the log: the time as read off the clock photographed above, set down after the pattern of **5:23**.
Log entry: **4:45**
